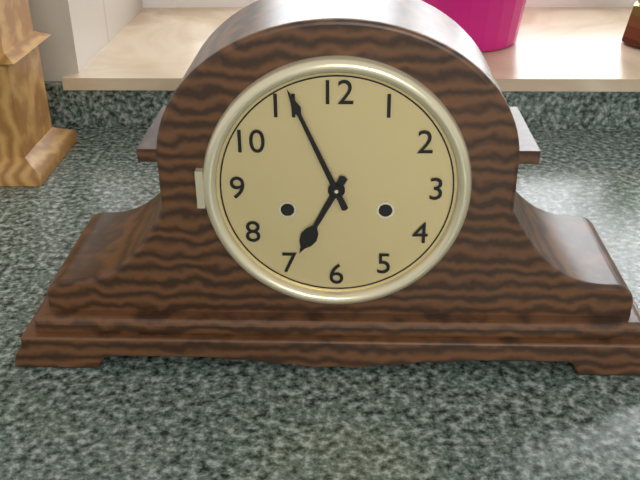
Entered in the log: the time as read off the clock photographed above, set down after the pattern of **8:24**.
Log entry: **6:56**
